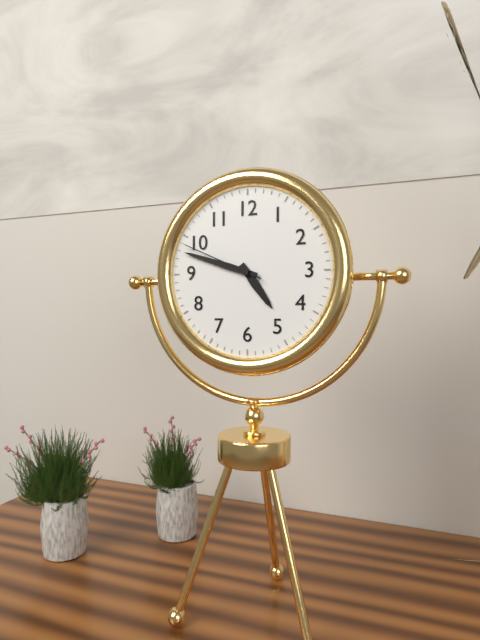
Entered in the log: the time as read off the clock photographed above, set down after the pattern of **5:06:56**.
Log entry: **4:48:49**
